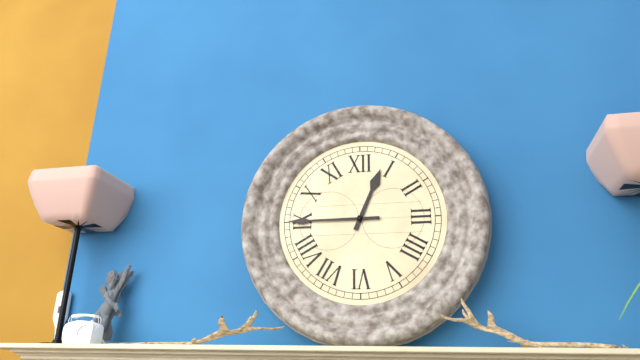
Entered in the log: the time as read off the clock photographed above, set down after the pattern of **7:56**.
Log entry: **12:45**
